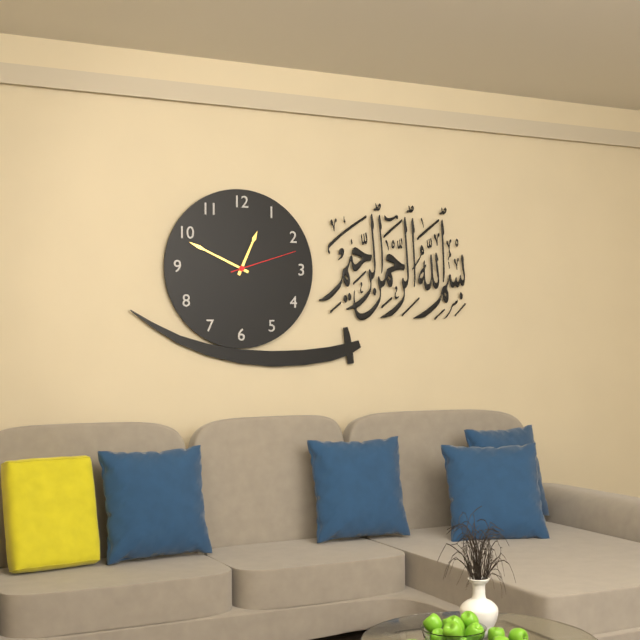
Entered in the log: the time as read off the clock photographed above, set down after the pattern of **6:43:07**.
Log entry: **12:49:12**
